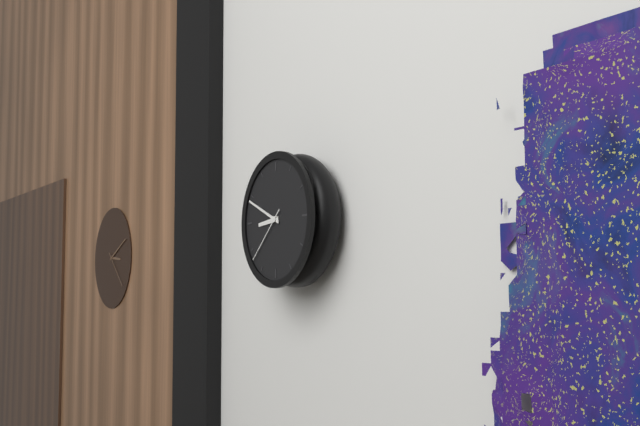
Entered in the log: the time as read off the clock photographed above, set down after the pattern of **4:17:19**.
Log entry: **8:49:38**
